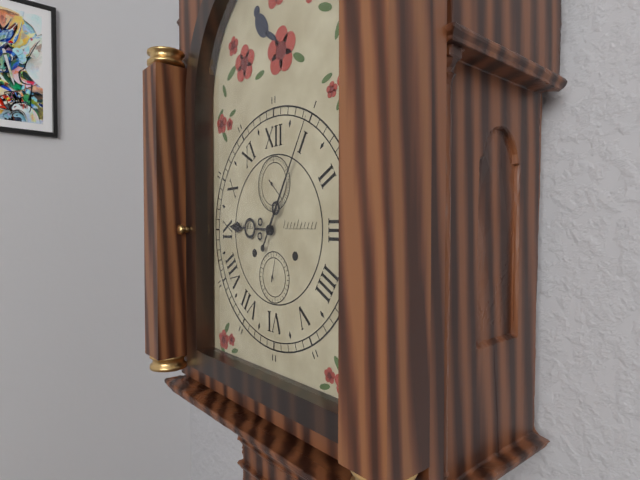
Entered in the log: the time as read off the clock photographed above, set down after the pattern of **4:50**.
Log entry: **9:05**
